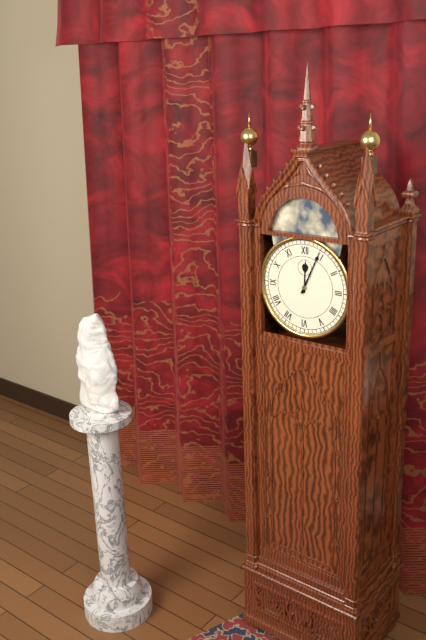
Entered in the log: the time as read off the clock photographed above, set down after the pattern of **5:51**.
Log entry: **12:04**
